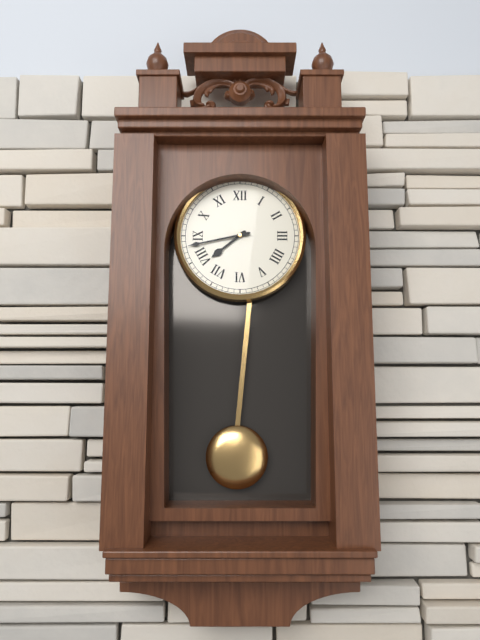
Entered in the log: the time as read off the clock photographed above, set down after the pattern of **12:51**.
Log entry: **7:43**
